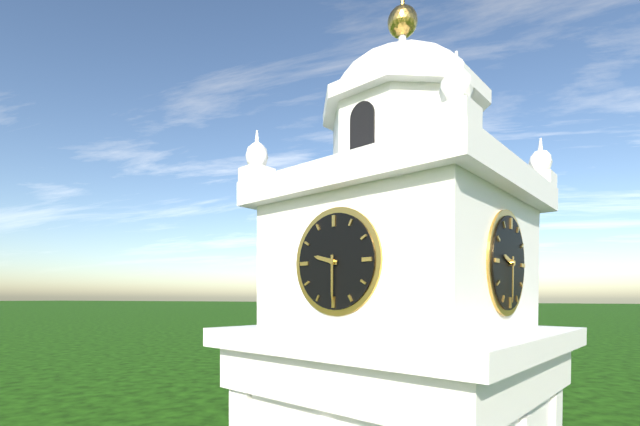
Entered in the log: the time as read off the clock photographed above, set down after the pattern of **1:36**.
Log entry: **9:30**
